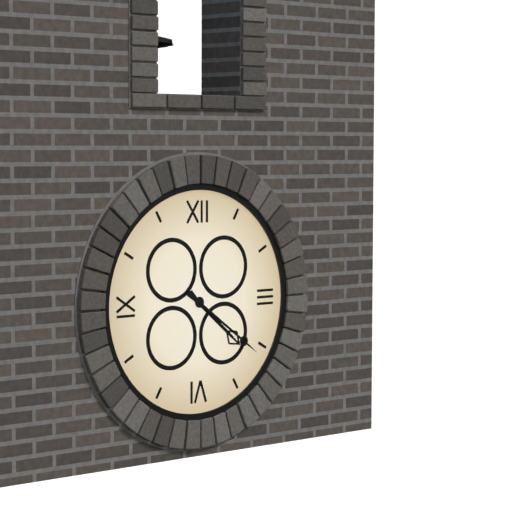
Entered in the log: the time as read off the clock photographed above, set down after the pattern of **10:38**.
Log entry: **4:21**
